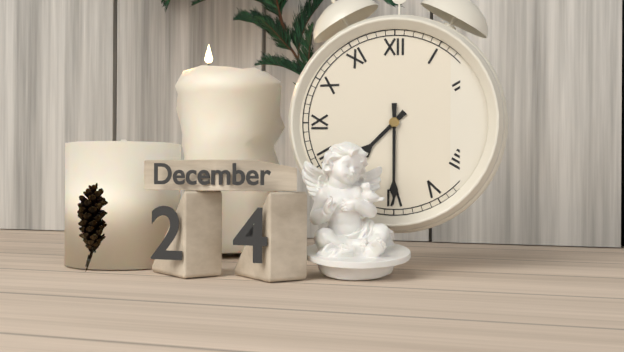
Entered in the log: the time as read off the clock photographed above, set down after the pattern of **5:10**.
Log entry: **7:30**
